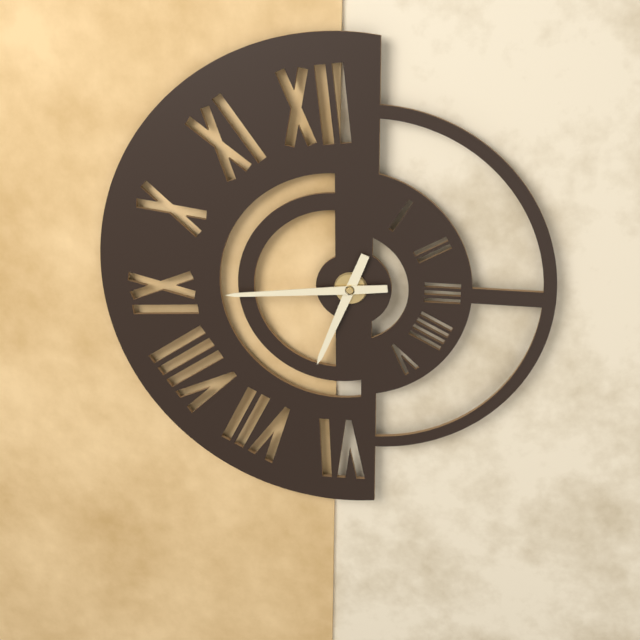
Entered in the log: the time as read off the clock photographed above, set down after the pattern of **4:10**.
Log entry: **6:44**
